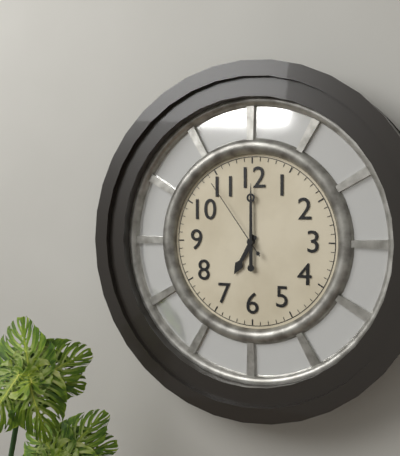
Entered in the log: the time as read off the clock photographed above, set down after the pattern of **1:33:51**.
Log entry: **7:00:54**
